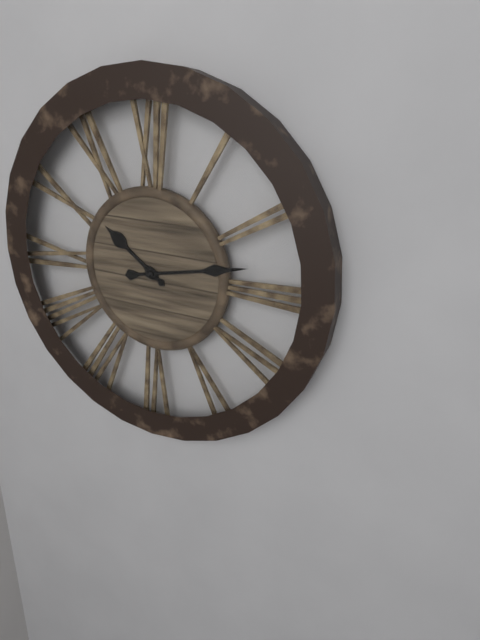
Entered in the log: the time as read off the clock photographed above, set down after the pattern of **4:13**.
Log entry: **10:13**
